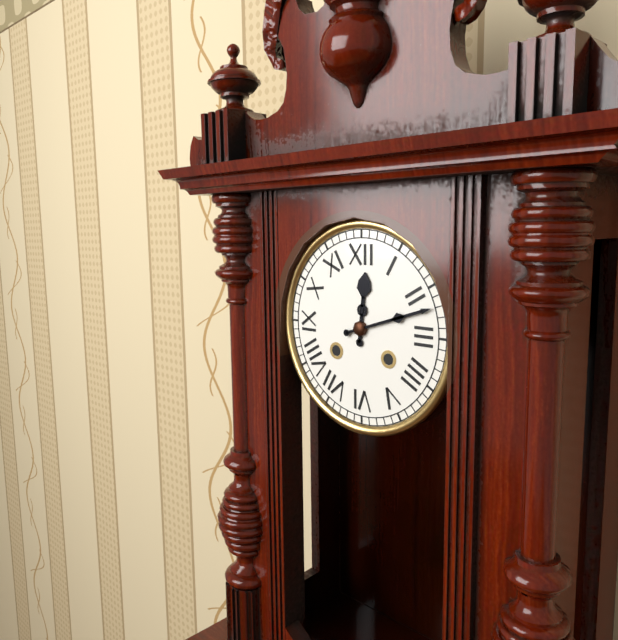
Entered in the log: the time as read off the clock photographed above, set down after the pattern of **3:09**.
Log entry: **12:12**
